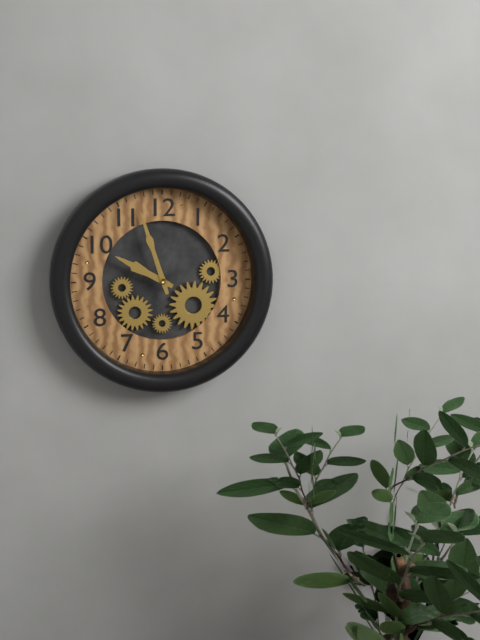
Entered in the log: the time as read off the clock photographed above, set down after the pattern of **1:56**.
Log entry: **9:57**
